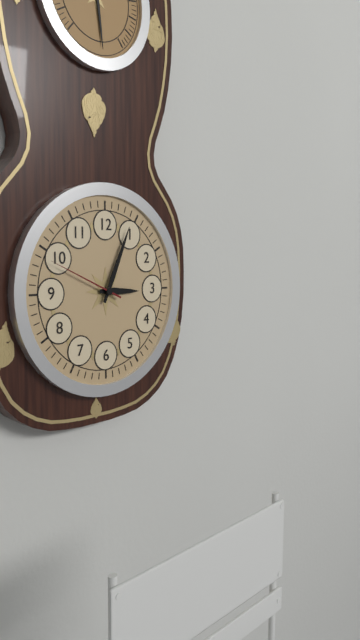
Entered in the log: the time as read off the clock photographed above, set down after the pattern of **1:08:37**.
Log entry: **3:04:49**
